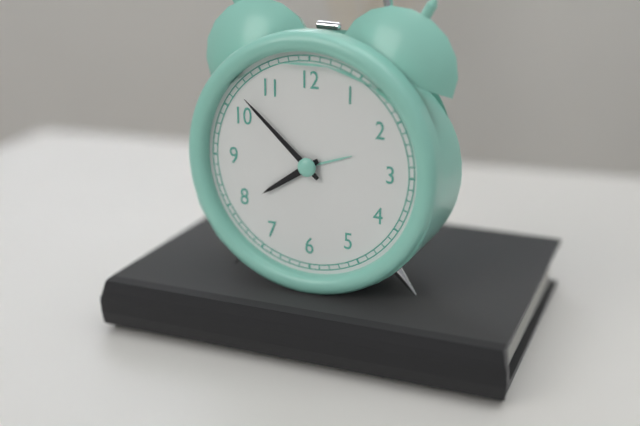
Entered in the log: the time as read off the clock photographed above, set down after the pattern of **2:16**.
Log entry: **7:52**
